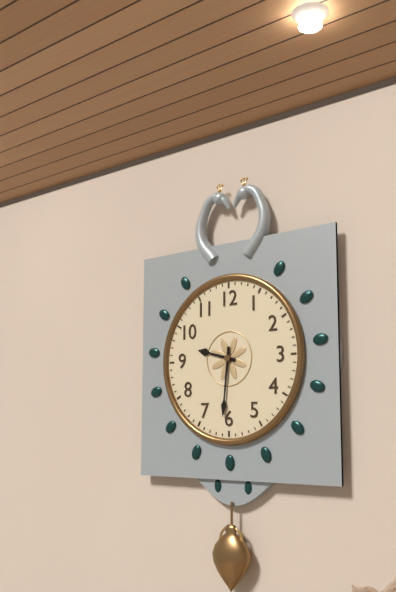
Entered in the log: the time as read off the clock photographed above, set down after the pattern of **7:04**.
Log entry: **9:31**
